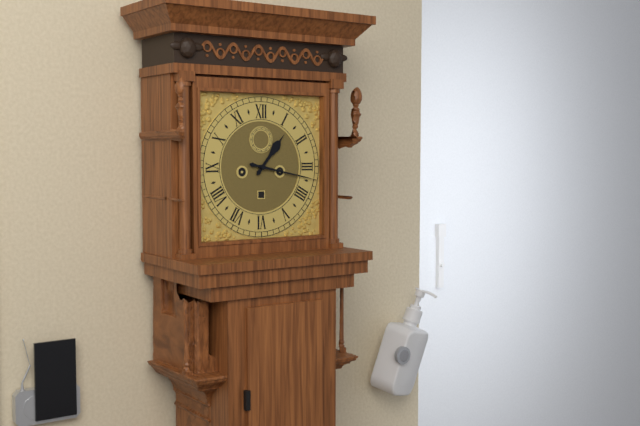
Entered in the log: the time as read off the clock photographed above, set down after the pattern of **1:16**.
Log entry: **1:17**
